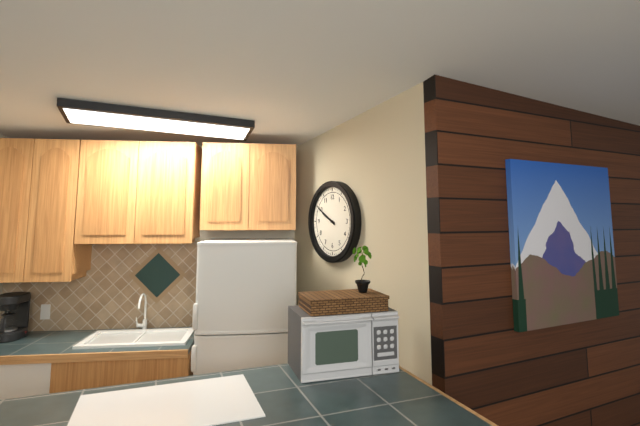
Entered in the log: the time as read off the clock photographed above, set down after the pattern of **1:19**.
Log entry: **9:50**
